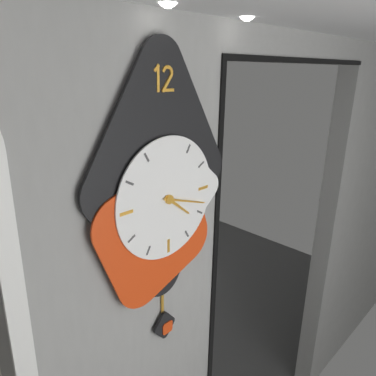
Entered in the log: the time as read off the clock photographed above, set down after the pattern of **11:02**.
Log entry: **4:18**
